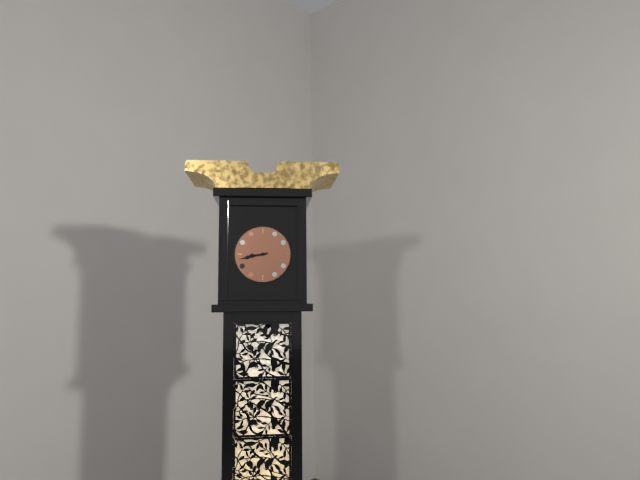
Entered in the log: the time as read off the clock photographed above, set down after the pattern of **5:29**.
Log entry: **8:43**
